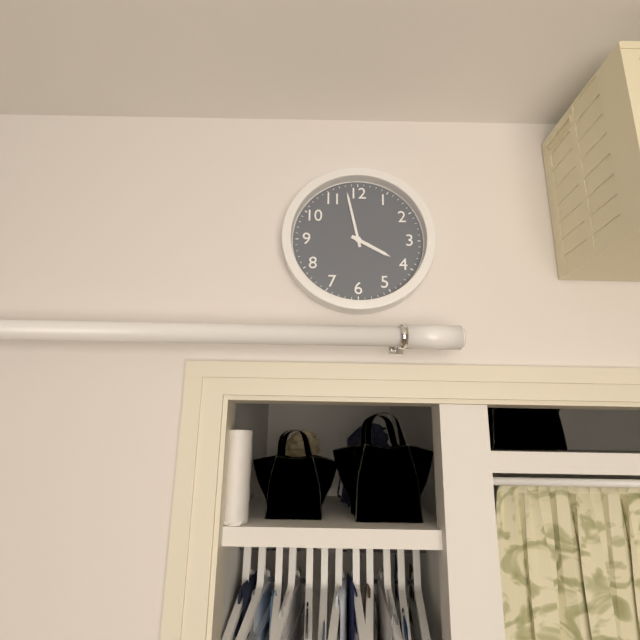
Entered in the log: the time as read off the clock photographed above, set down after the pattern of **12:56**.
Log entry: **3:58**
